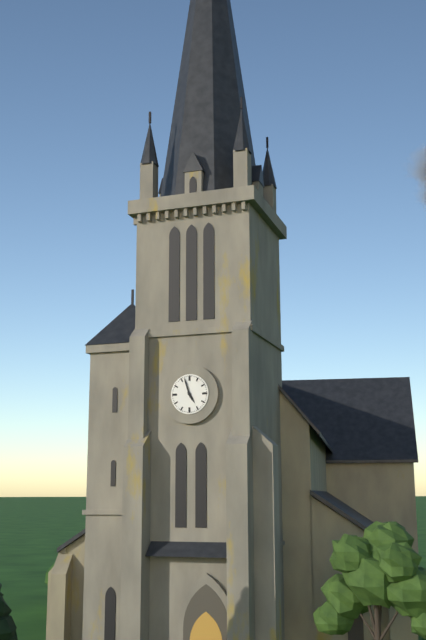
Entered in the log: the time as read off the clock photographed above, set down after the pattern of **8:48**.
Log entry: **4:57**
